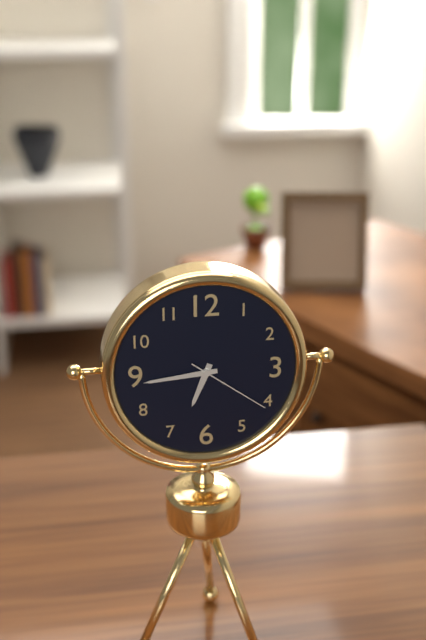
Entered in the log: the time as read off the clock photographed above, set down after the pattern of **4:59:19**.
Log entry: **6:44:21**
